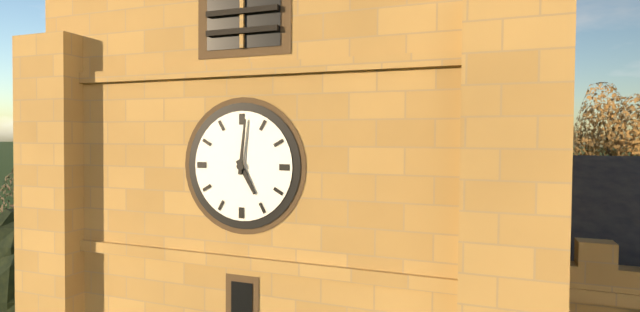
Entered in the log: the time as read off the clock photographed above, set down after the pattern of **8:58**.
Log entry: **5:01**
